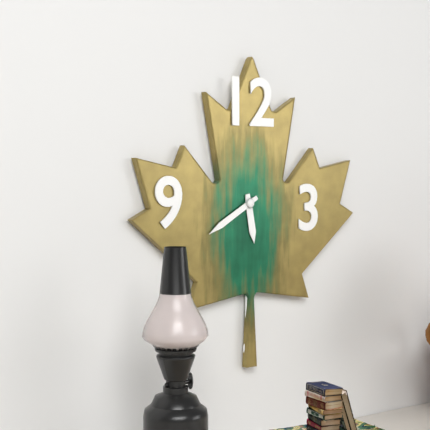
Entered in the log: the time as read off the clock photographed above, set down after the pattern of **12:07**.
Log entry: **5:40**
